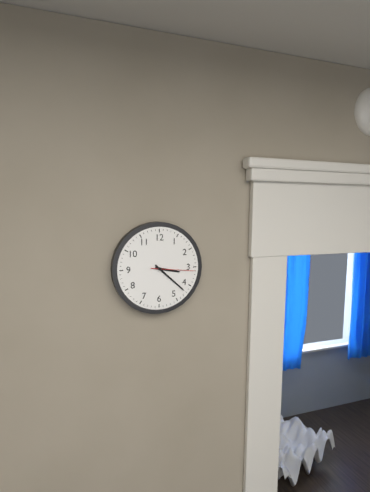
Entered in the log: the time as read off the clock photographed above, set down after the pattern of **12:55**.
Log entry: **3:22**
